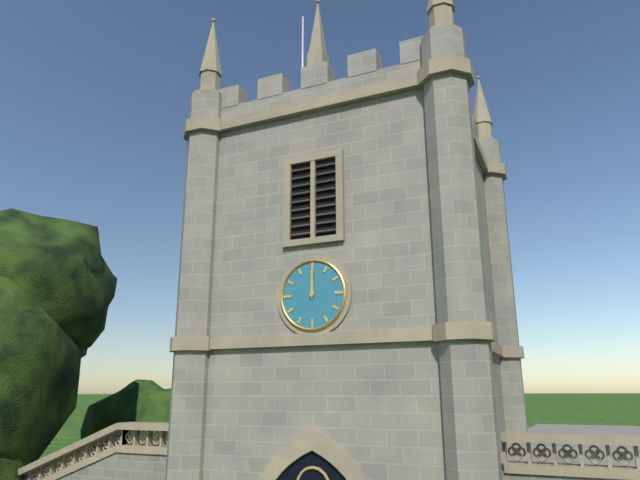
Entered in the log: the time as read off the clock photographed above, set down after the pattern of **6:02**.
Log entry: **12:00**
